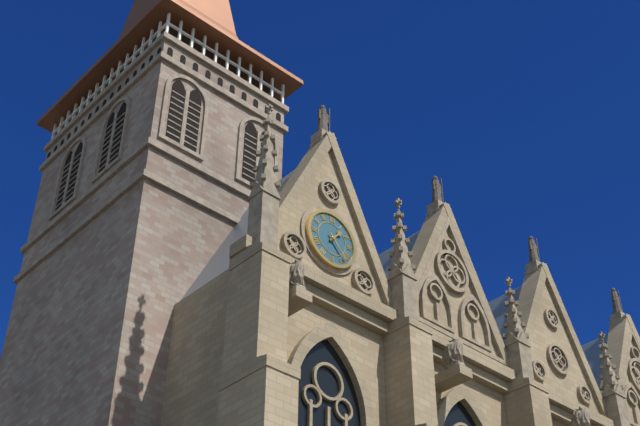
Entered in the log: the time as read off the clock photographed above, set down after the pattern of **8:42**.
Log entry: **1:23**
